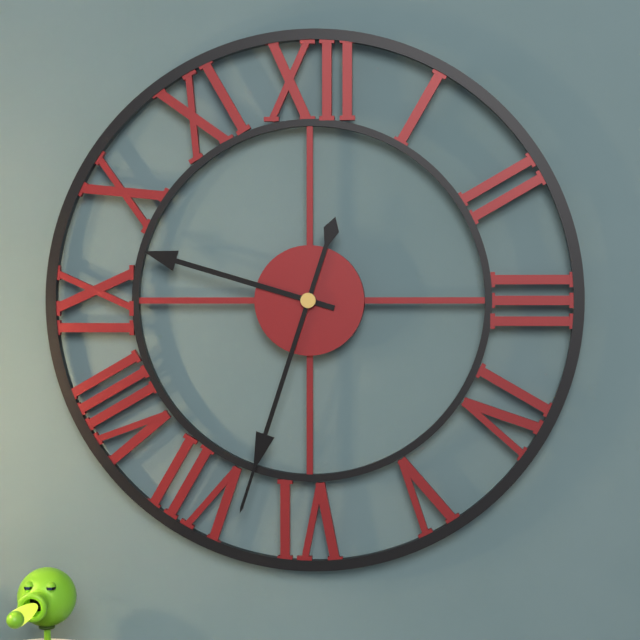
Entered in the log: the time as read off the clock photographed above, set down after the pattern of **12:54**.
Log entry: **9:33**
